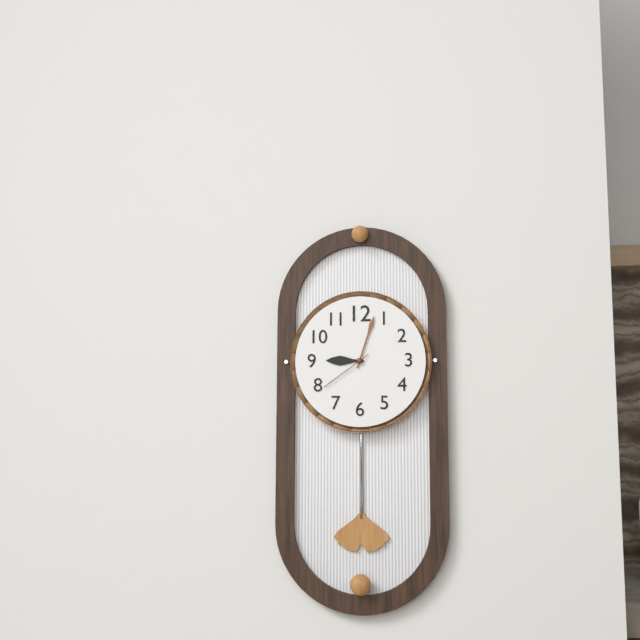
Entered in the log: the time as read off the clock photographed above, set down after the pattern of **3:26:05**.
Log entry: **9:03:39**
